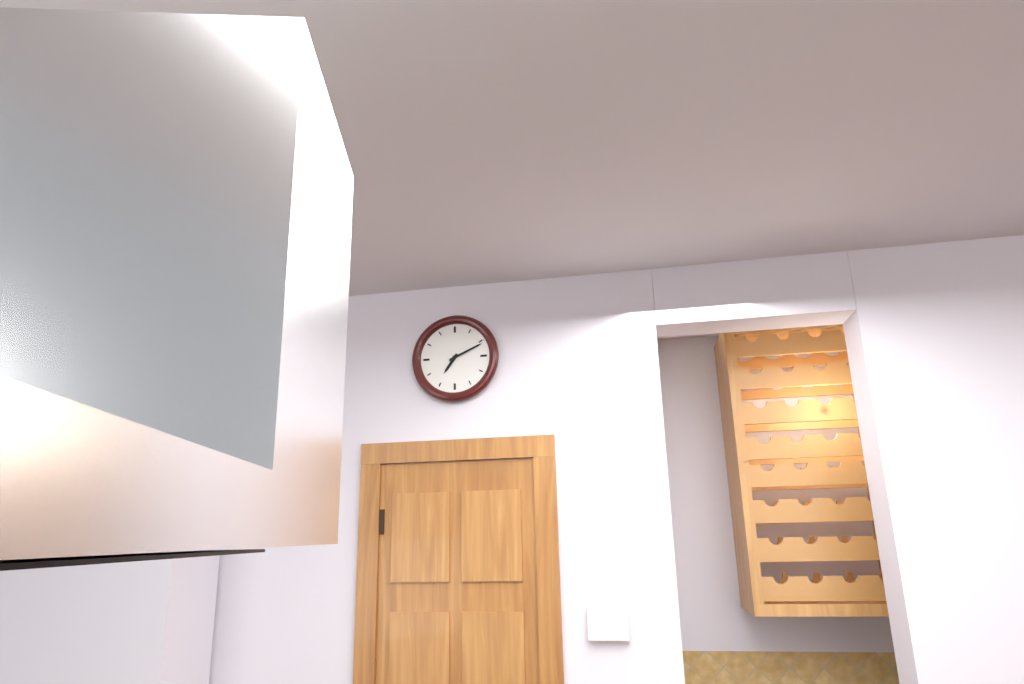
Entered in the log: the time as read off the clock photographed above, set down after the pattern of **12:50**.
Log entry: **7:11**
